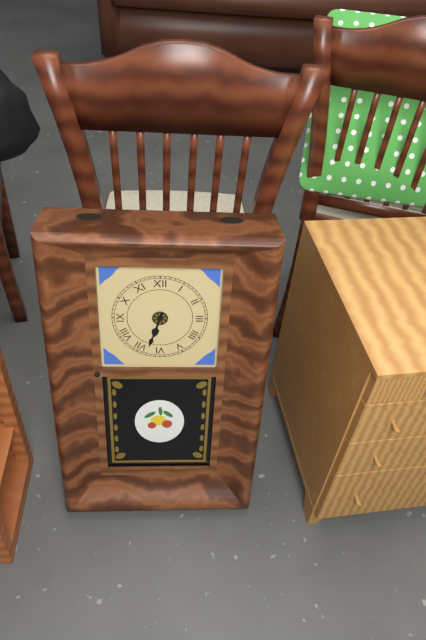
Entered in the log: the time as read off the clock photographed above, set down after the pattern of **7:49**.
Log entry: **6:33**
